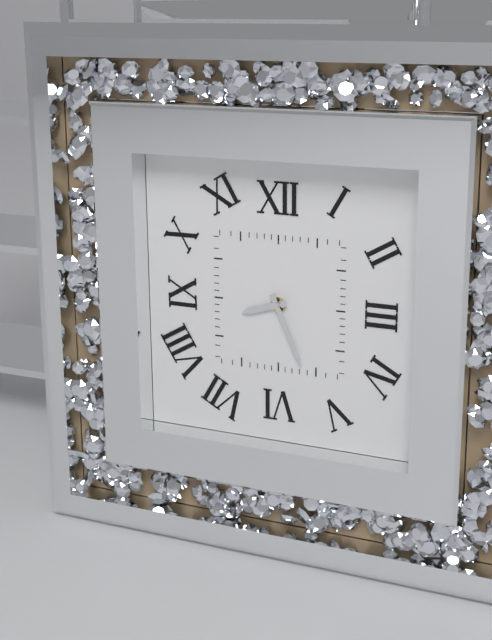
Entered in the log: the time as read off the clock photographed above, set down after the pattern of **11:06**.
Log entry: **8:26**
